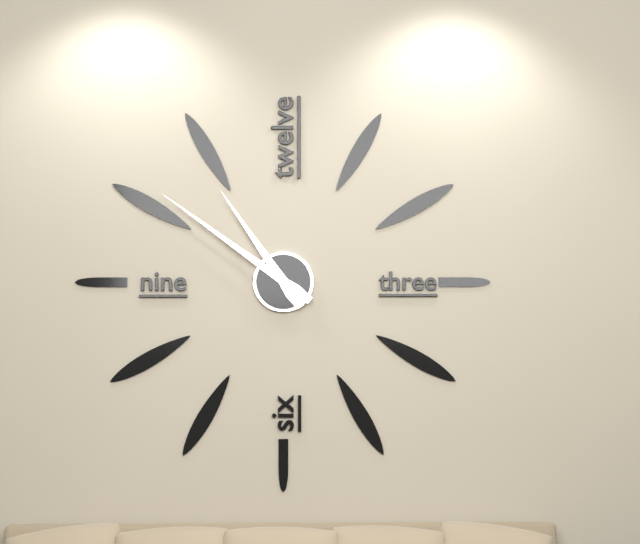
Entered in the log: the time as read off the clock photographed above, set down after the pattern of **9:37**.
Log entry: **10:51**
